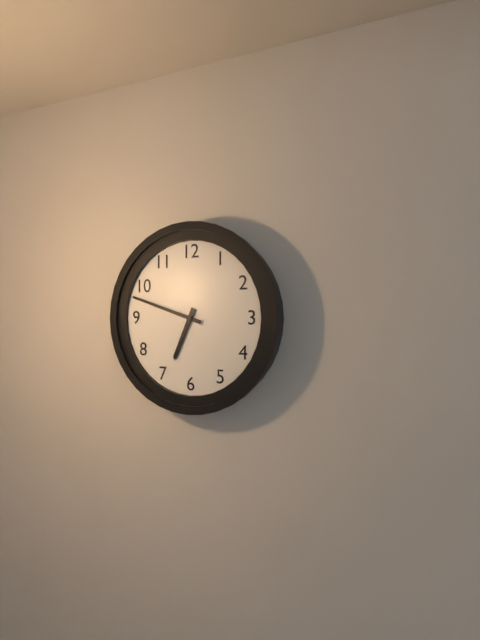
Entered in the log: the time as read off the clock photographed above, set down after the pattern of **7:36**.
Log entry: **6:48**
